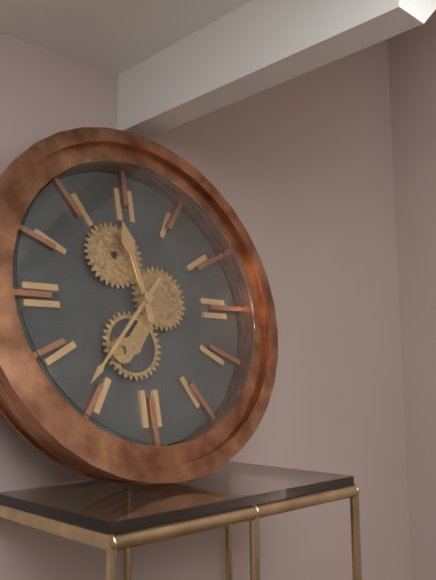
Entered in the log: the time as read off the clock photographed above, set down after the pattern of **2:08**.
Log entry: **11:37**
